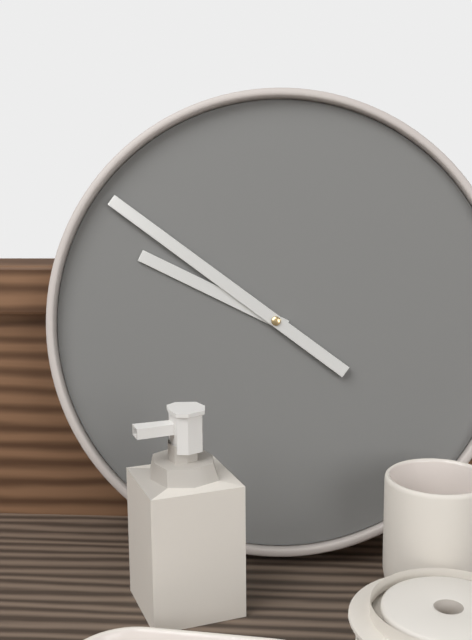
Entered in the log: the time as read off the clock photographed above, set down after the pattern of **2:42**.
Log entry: **9:51**
